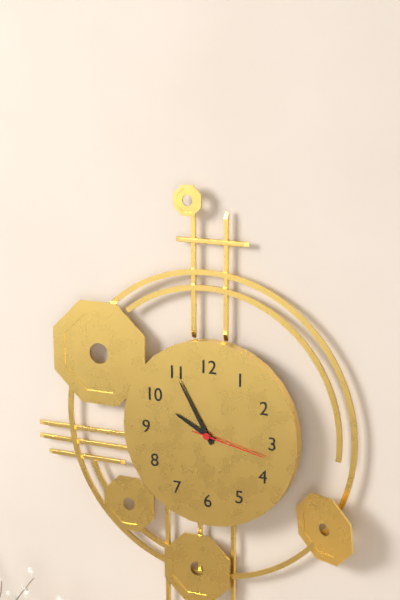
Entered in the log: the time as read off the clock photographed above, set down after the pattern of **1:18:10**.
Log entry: **9:55:17**
